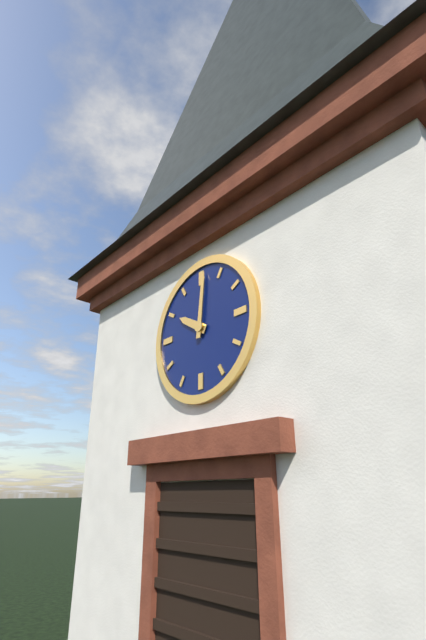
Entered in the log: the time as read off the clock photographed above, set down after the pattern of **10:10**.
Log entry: **10:01**
